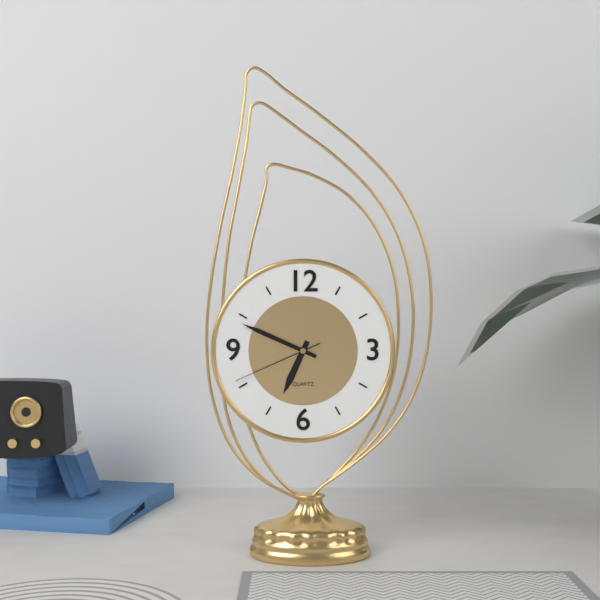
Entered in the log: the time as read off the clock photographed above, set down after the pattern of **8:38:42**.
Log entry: **6:49:41**
